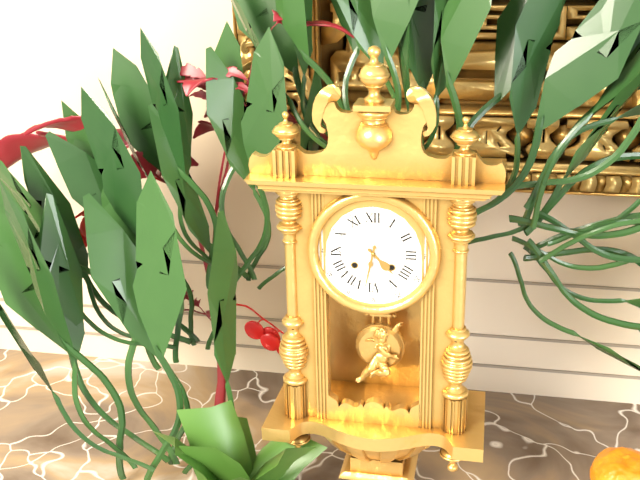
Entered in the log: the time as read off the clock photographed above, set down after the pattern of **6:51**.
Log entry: **4:32**
